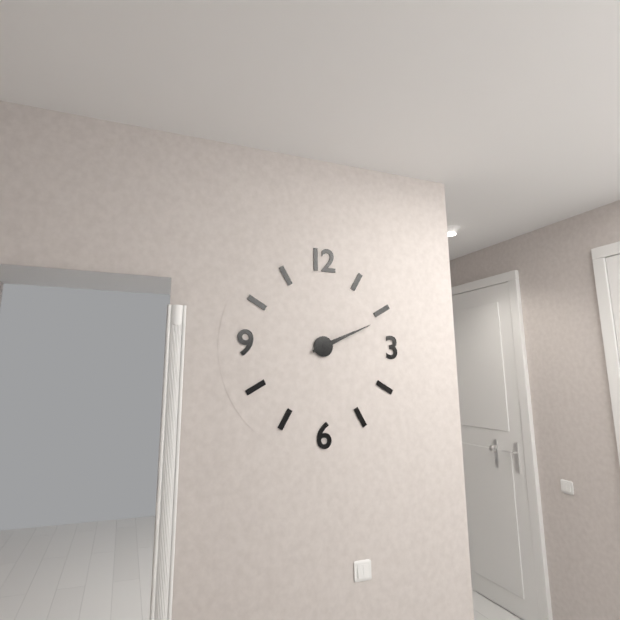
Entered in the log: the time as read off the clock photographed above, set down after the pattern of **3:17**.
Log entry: **2:11**
